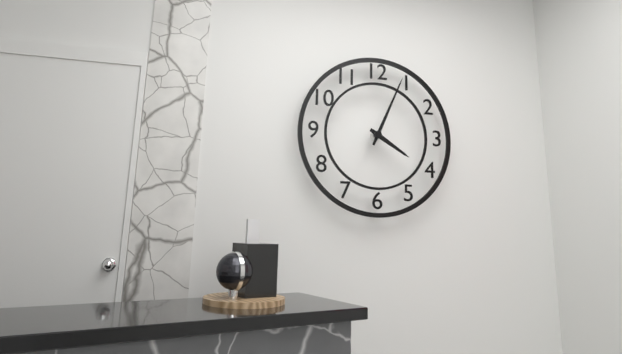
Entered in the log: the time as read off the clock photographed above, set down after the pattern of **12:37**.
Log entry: **4:04**
